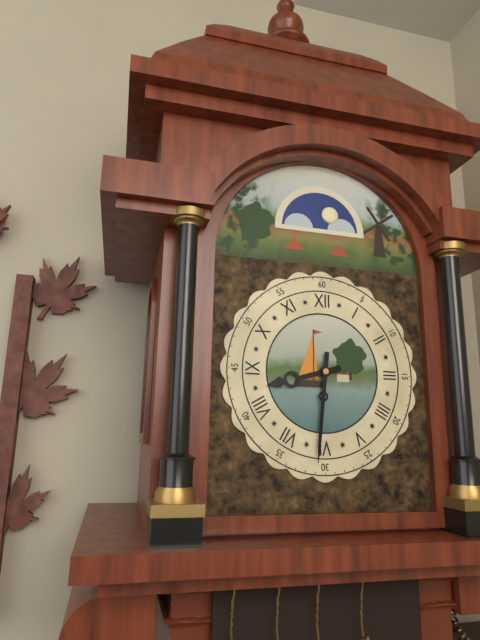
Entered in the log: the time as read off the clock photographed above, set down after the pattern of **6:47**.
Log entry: **8:31**
